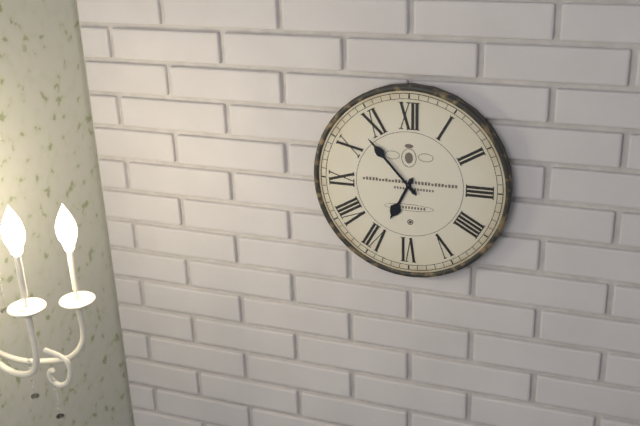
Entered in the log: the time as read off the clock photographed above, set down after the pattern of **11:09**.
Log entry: **6:53**
